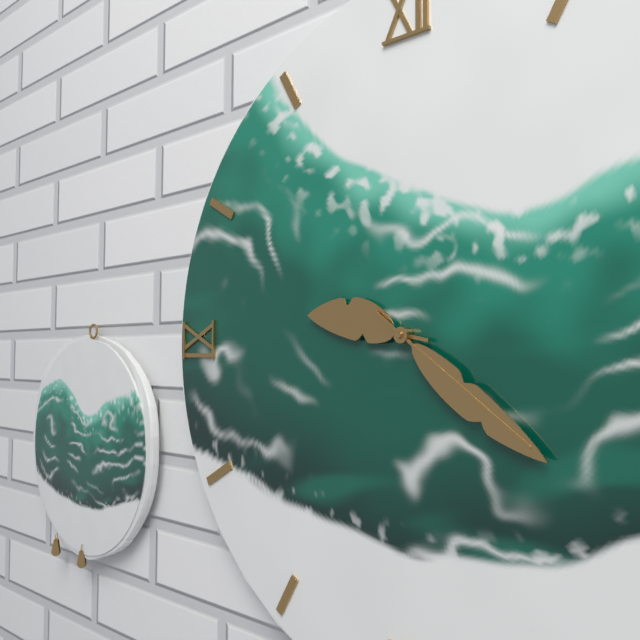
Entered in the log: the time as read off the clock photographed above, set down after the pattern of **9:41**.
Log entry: **9:21**
